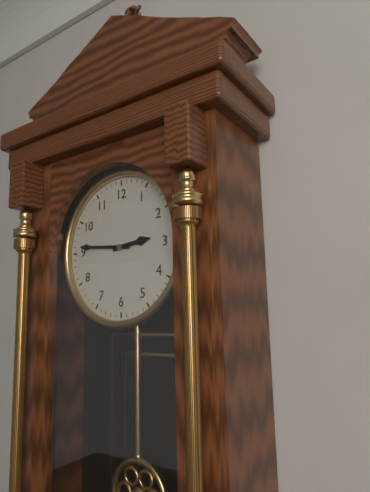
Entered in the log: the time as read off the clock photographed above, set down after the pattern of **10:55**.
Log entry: **2:46**
